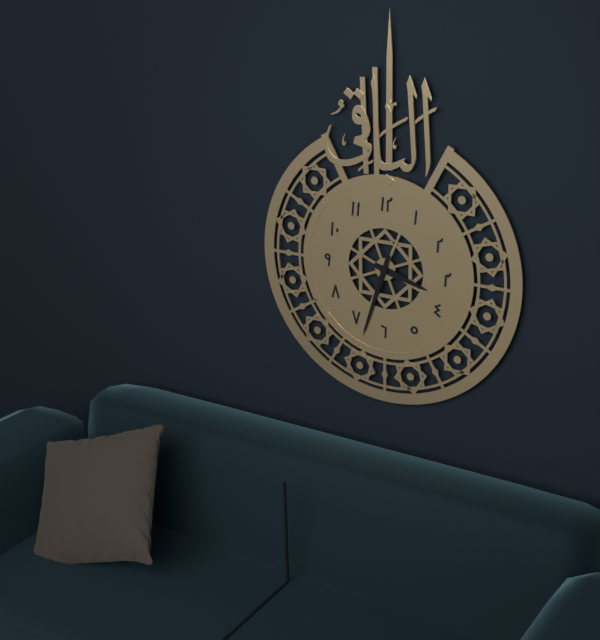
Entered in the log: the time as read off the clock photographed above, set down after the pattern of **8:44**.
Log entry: **3:33**
